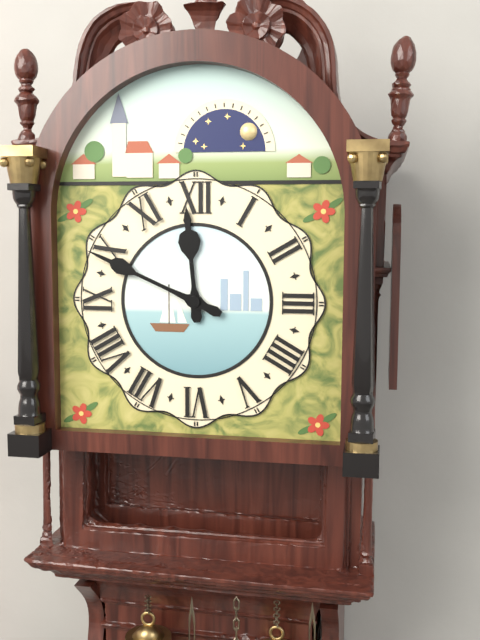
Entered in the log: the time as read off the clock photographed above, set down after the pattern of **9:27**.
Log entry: **11:49**
